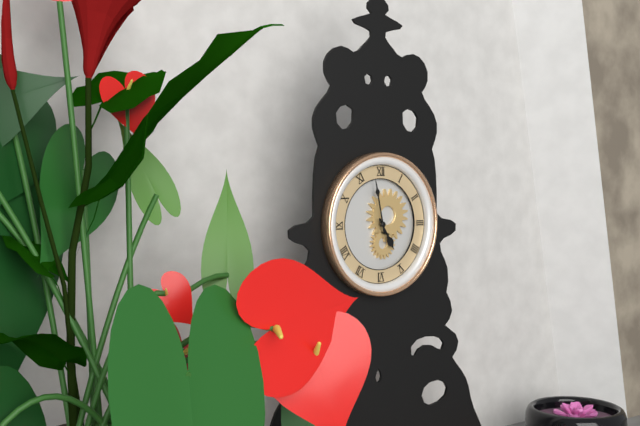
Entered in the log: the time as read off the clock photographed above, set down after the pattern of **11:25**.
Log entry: **4:58**
